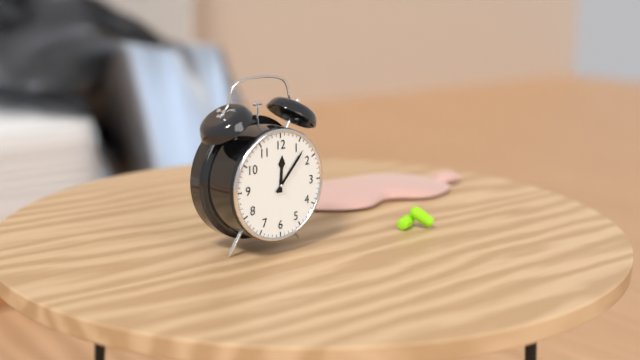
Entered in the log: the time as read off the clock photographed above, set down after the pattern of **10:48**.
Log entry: **12:07**
